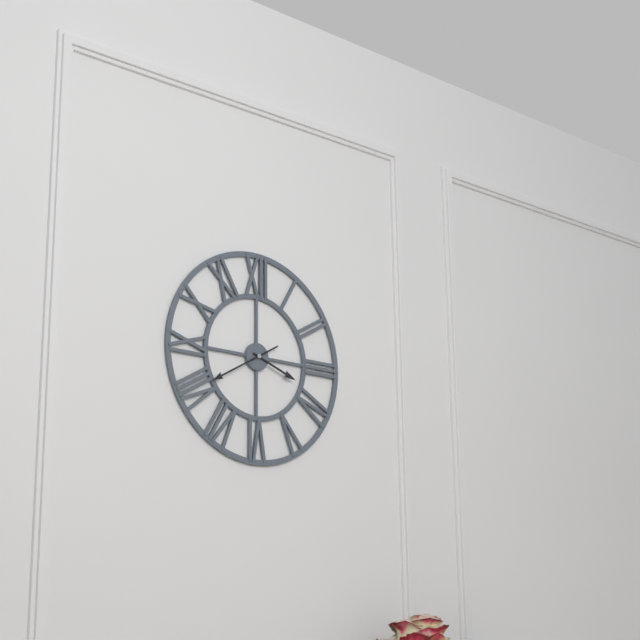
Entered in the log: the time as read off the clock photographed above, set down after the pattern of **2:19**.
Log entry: **3:40**
